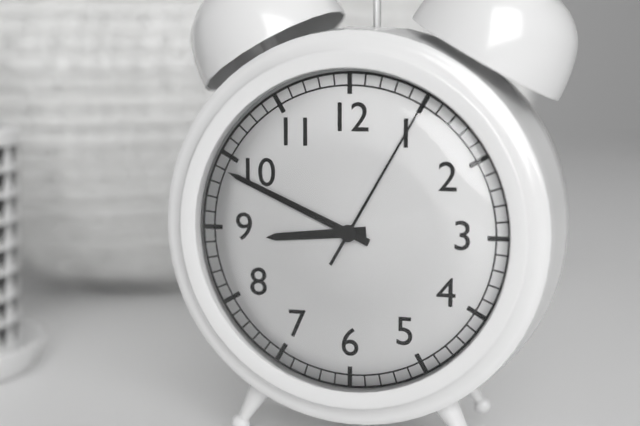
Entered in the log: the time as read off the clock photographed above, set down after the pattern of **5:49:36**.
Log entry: **8:49:05**
